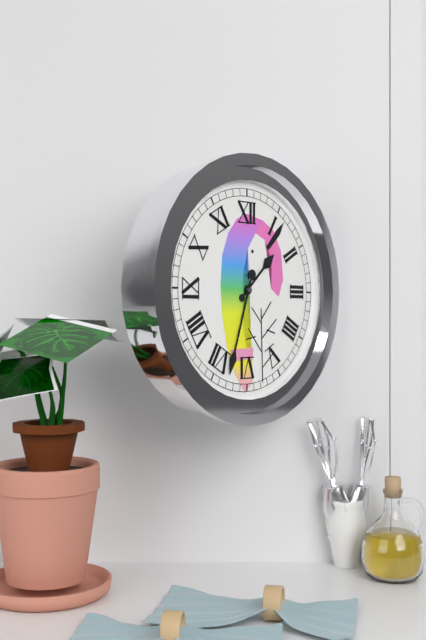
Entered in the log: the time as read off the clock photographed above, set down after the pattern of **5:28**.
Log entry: **1:33**
